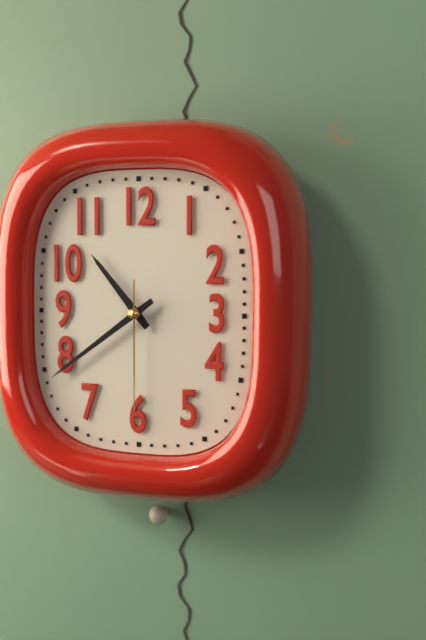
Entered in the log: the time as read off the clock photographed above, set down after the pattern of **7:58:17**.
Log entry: **10:39:30**
